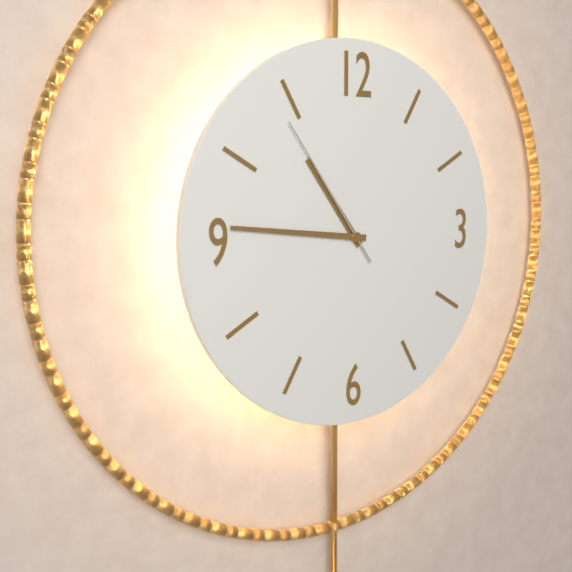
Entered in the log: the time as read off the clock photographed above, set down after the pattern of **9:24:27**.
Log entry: **10:46:54**
